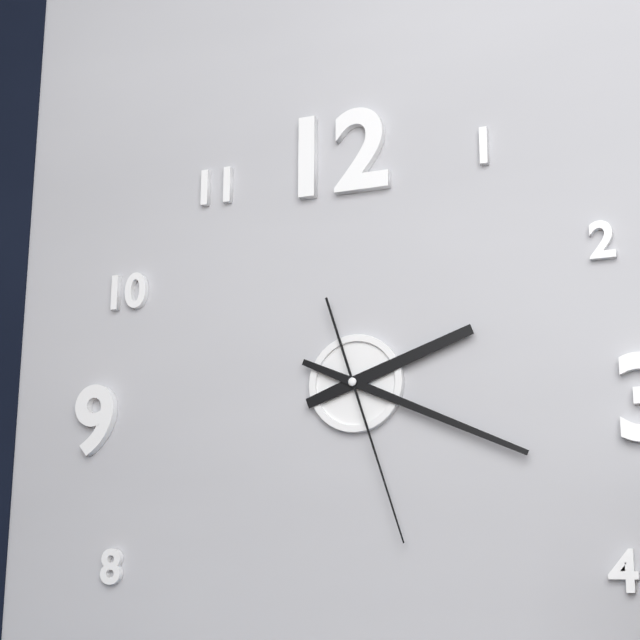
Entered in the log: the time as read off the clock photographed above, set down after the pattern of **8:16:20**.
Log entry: **2:19:27**
